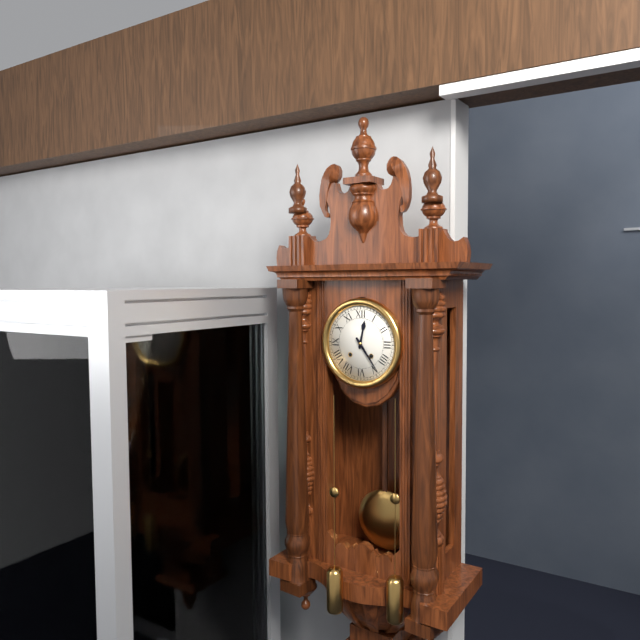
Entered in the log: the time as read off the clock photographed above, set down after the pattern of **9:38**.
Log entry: **12:24**
